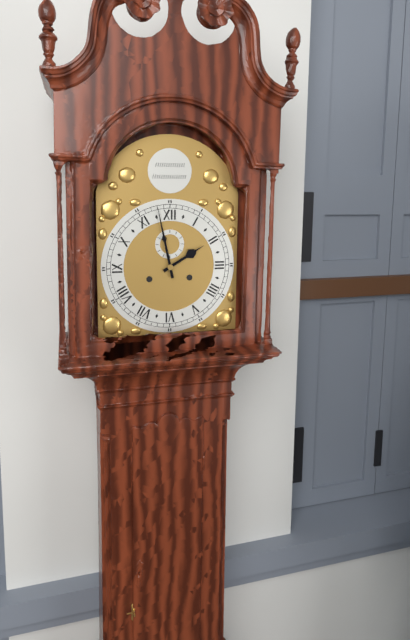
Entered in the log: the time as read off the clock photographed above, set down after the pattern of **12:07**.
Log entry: **1:58**
